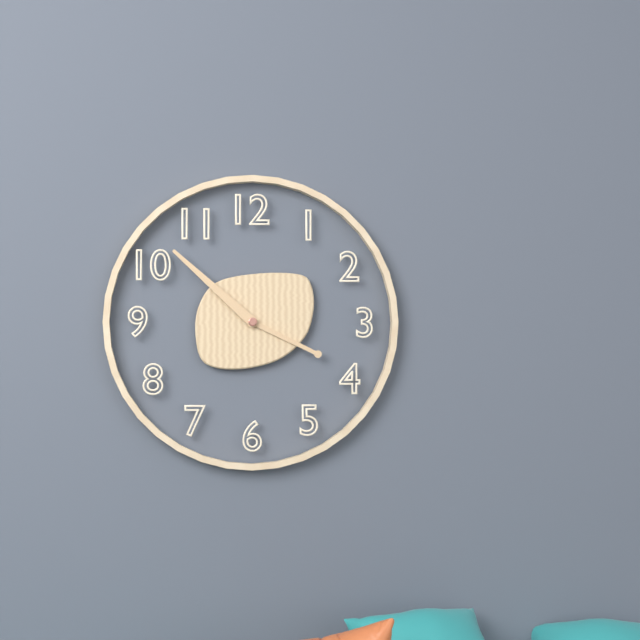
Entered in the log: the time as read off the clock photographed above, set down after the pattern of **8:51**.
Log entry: **3:52**
